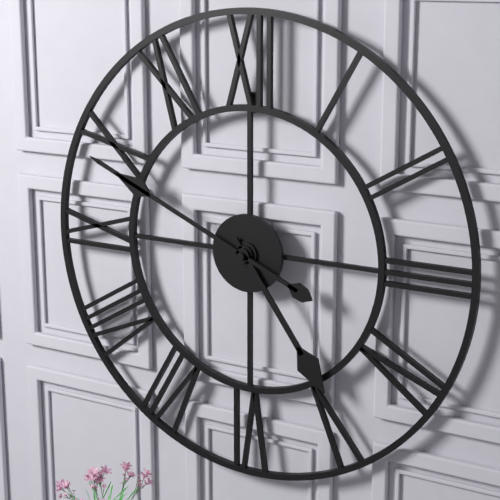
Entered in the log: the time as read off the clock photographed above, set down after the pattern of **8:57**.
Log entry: **4:49**
